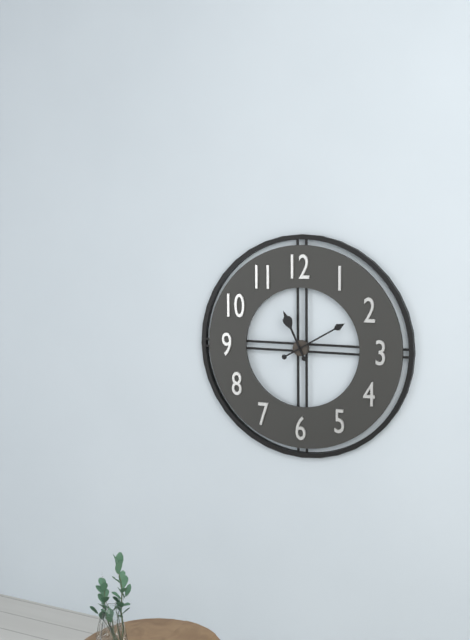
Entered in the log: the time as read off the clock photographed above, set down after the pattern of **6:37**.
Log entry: **11:10**
